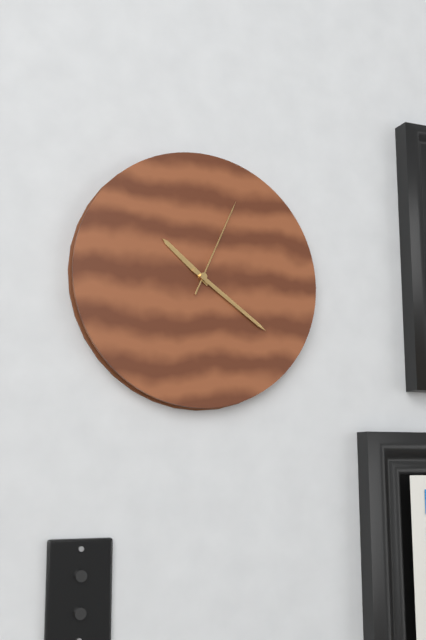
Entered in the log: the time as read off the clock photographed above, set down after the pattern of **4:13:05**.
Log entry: **10:21:04**
